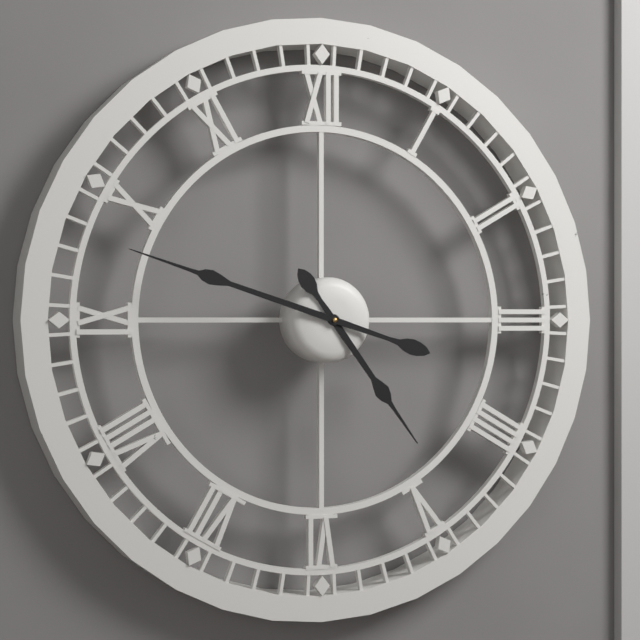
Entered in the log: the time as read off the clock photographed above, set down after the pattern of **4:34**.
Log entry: **4:48**
